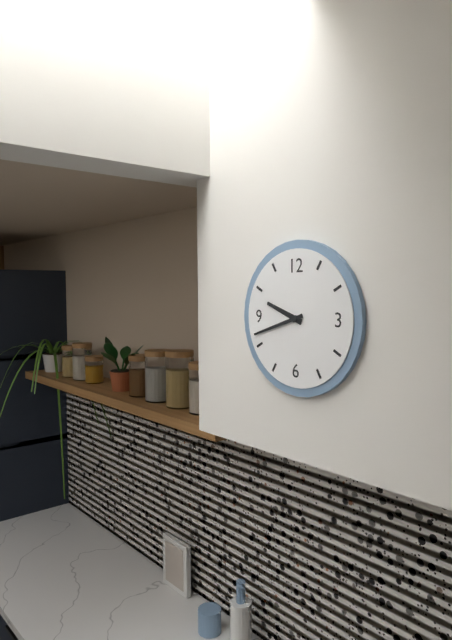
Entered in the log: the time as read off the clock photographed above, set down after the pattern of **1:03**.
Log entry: **9:42**
